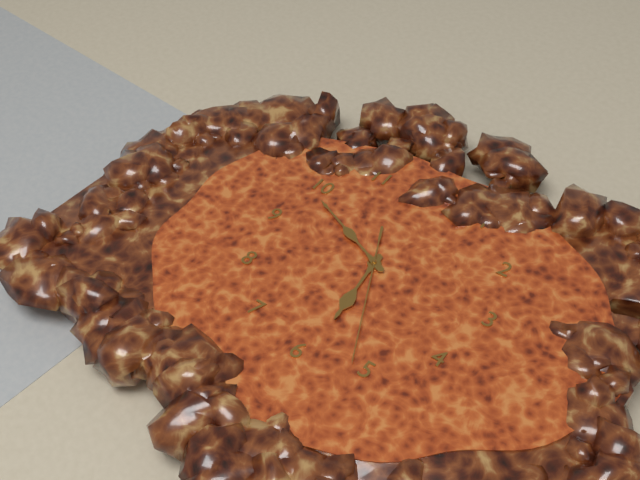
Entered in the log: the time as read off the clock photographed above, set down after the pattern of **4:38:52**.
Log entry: **5:49:26**
